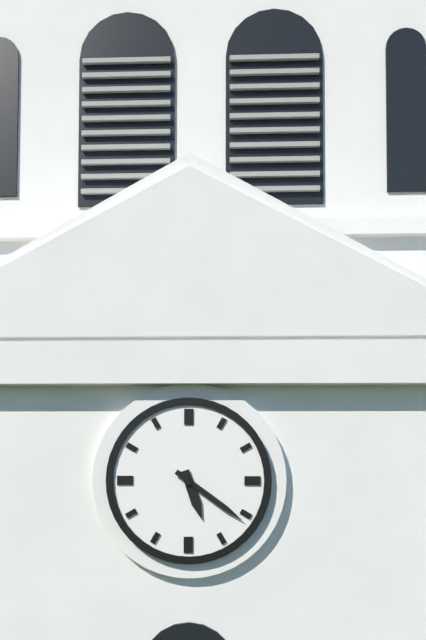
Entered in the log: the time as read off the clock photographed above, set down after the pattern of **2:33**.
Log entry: **5:21**
